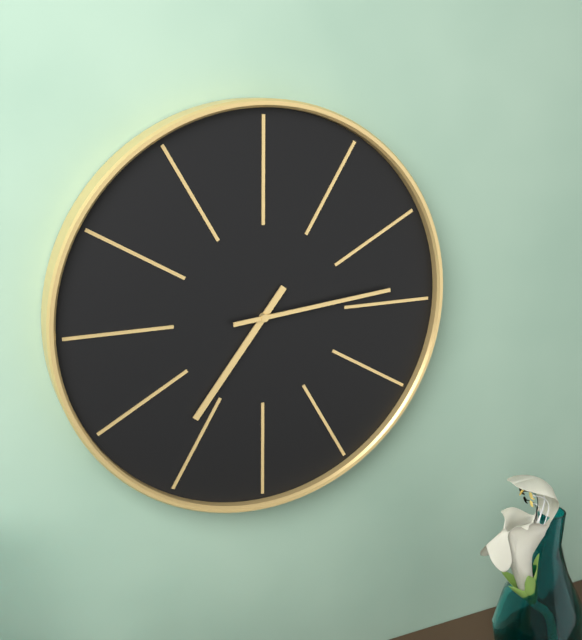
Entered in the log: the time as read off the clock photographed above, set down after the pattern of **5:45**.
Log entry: **7:14**
